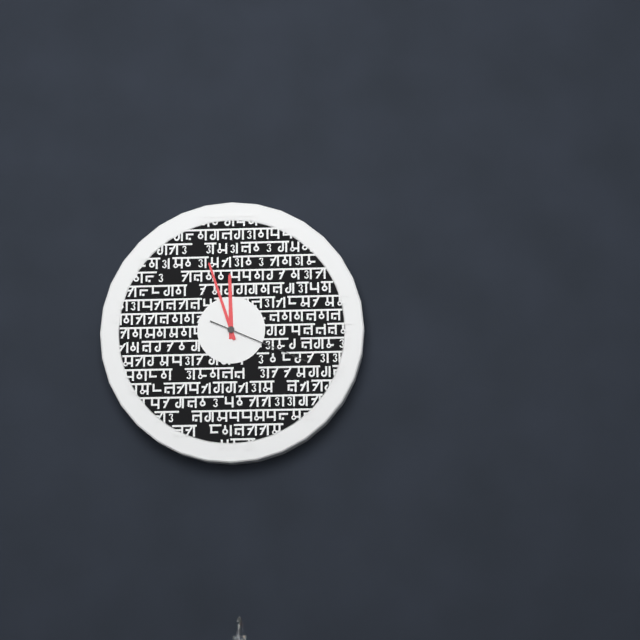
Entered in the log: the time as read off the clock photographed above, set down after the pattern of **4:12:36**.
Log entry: **11:57:19**
